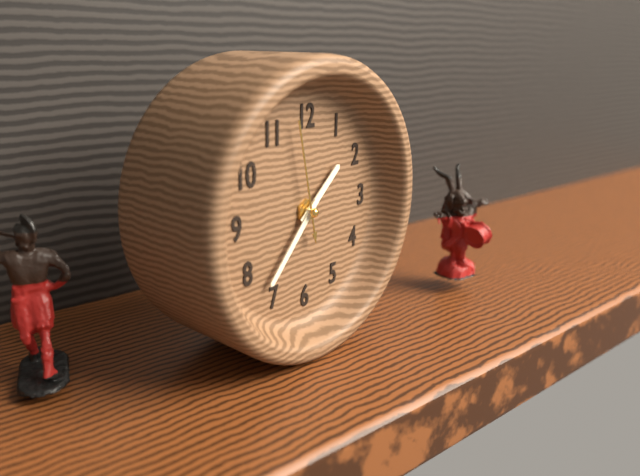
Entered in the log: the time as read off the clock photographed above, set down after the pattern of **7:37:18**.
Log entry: **1:37:58**
